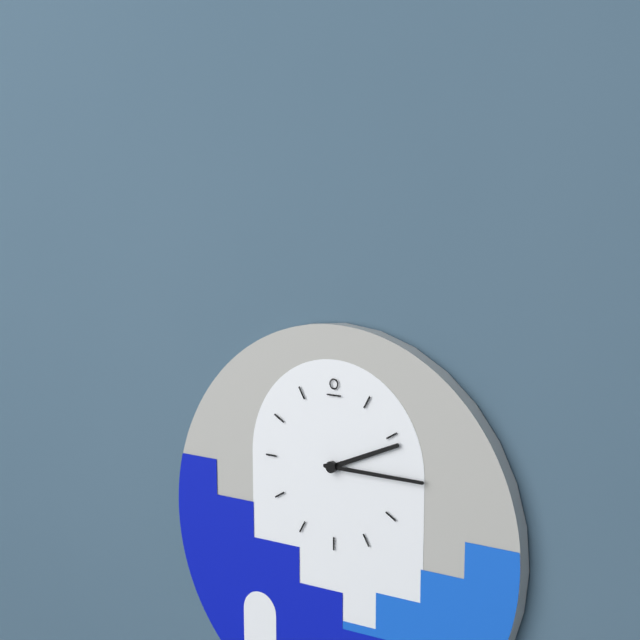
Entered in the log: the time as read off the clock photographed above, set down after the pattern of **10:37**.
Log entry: **2:15**
